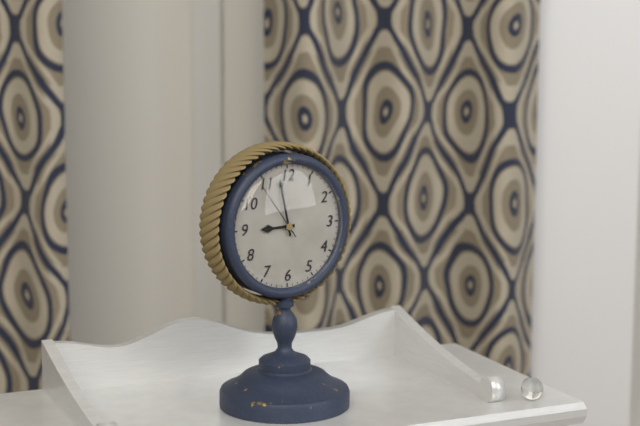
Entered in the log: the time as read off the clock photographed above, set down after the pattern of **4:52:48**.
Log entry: **8:58:54**
